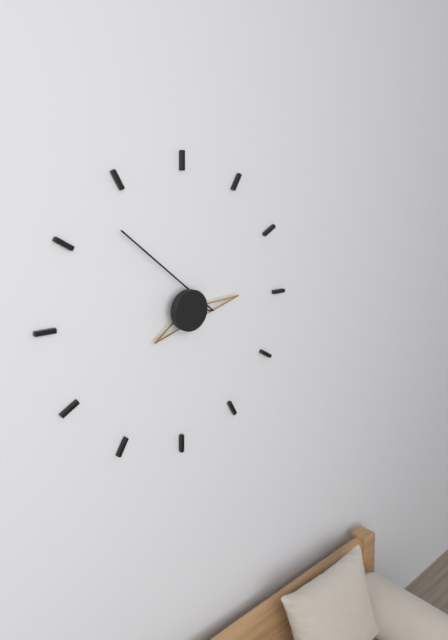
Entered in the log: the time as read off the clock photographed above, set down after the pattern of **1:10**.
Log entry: **2:53**
